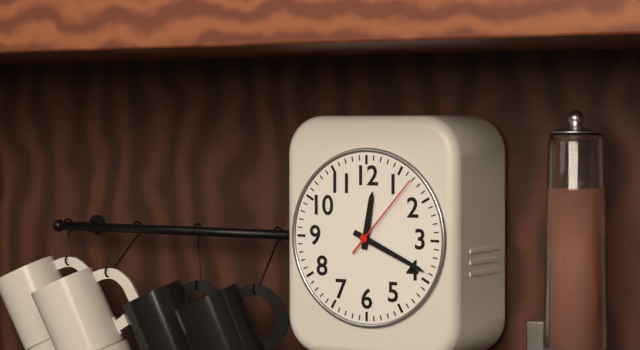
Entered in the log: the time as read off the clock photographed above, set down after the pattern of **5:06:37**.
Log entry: **12:19:07**
